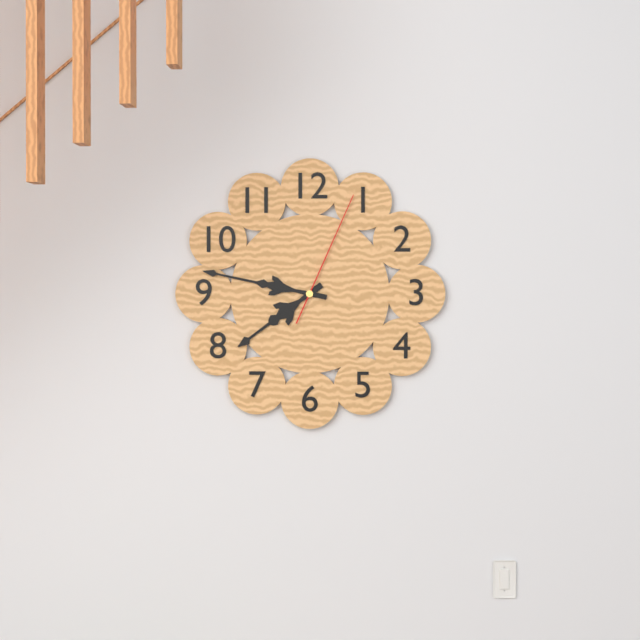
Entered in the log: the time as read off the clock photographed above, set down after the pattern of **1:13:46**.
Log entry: **7:47:04**
